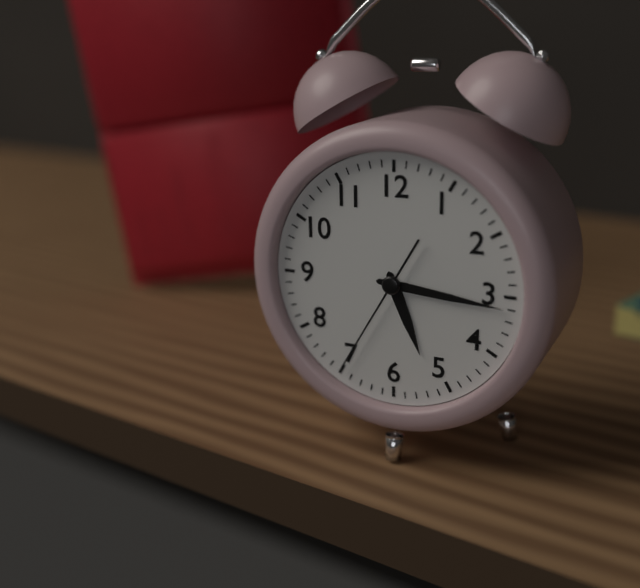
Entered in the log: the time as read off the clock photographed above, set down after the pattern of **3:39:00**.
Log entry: **5:16:35**
